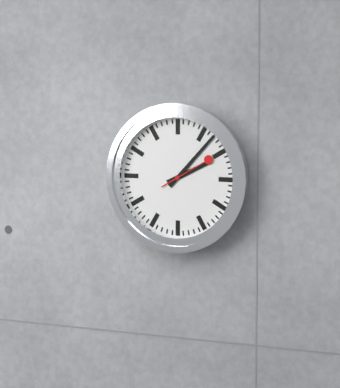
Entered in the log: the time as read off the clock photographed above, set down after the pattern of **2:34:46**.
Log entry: **2:07:10**
